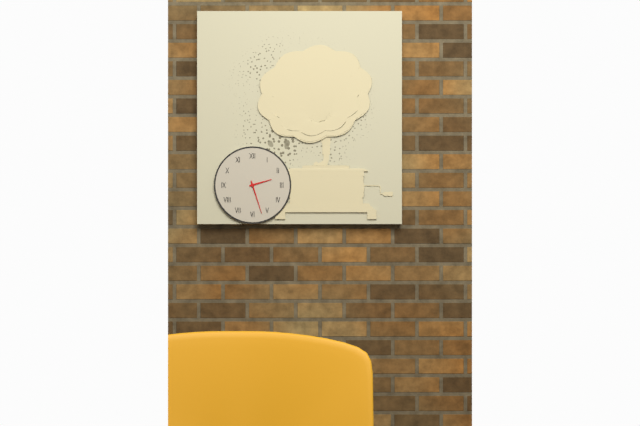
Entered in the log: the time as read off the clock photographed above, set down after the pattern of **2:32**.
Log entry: **2:27**
